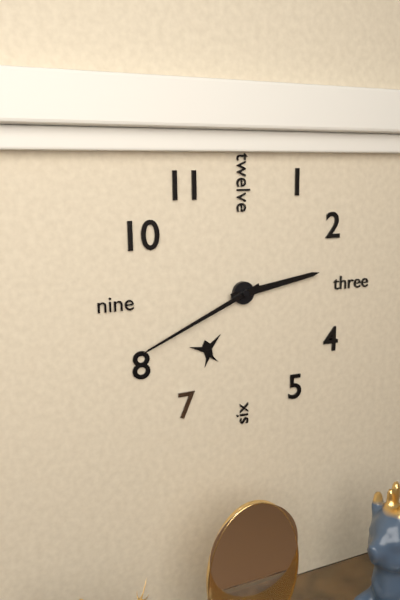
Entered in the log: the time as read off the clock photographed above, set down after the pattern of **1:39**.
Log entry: **2:41**
